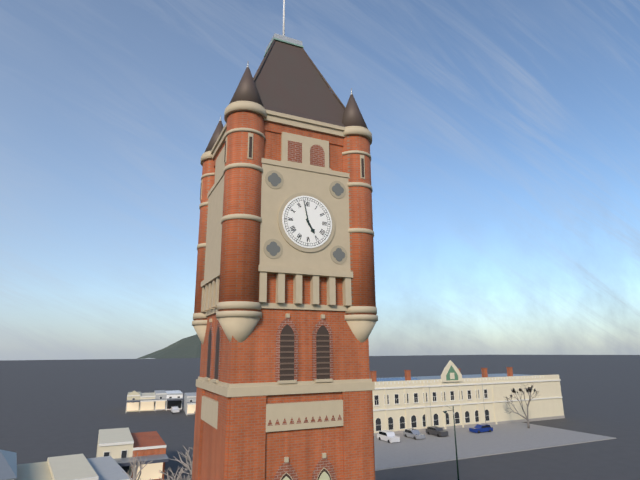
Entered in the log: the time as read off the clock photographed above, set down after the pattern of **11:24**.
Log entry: **4:58**
